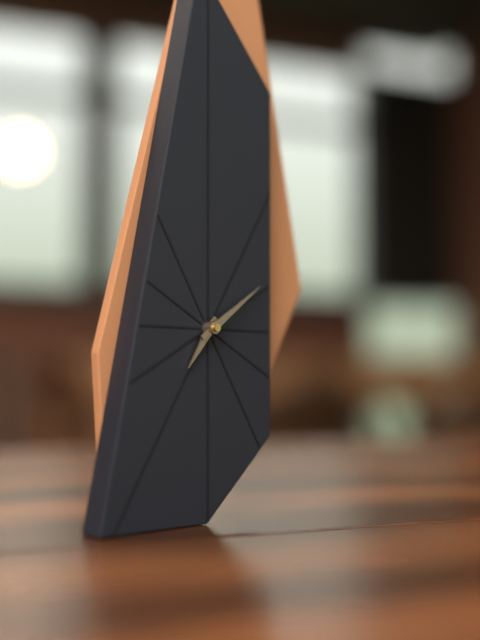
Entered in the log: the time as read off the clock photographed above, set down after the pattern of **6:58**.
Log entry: **7:09**
